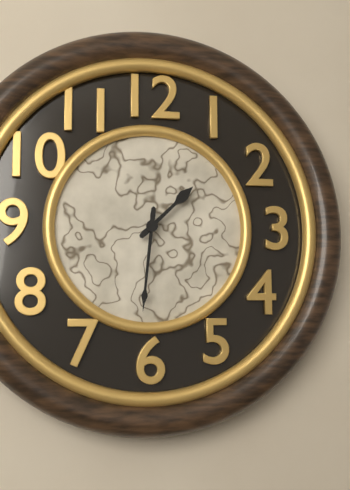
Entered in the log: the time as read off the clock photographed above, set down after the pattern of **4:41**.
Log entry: **1:31**
